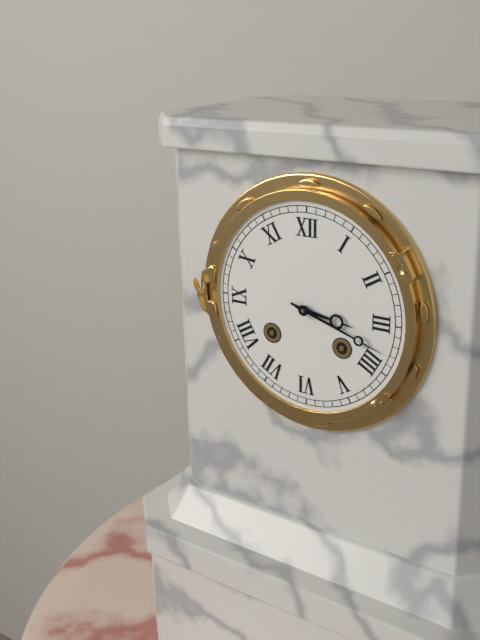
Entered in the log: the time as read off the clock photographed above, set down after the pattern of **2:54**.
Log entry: **3:18**
